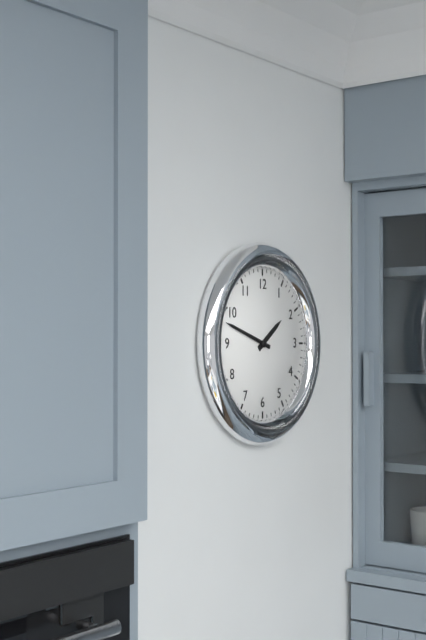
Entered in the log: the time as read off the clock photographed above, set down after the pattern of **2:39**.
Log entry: **1:48**
